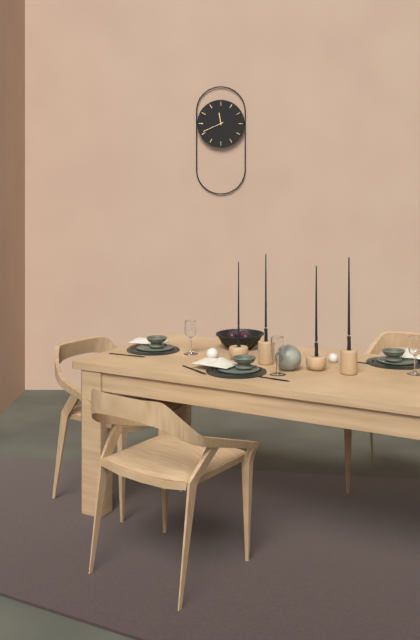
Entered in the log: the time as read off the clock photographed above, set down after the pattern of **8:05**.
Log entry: **11:41**
